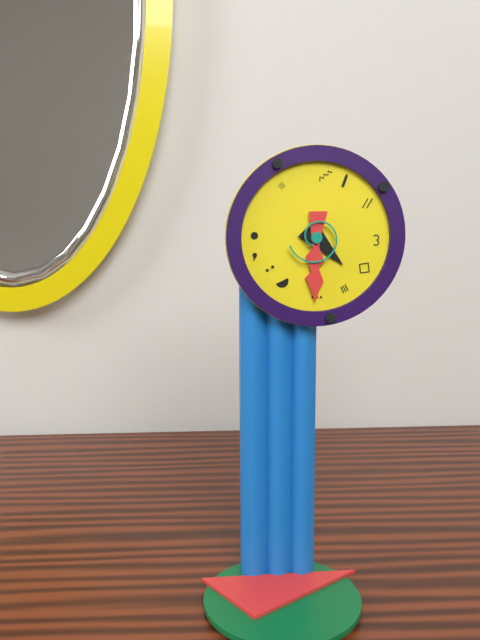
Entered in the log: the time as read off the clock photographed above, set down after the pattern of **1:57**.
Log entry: **4:30**
